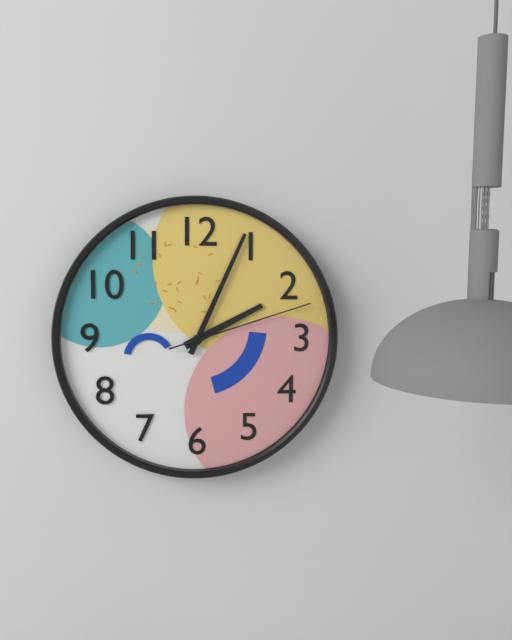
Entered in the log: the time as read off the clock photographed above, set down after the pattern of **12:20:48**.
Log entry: **2:04:12**
